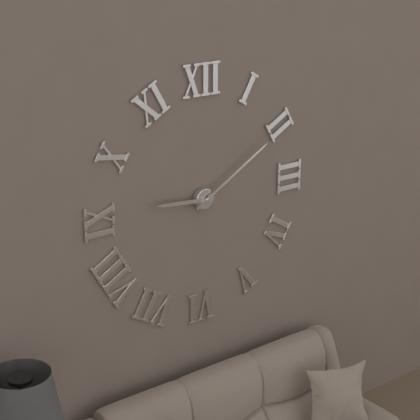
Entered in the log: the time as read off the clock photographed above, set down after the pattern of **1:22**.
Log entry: **9:10**
